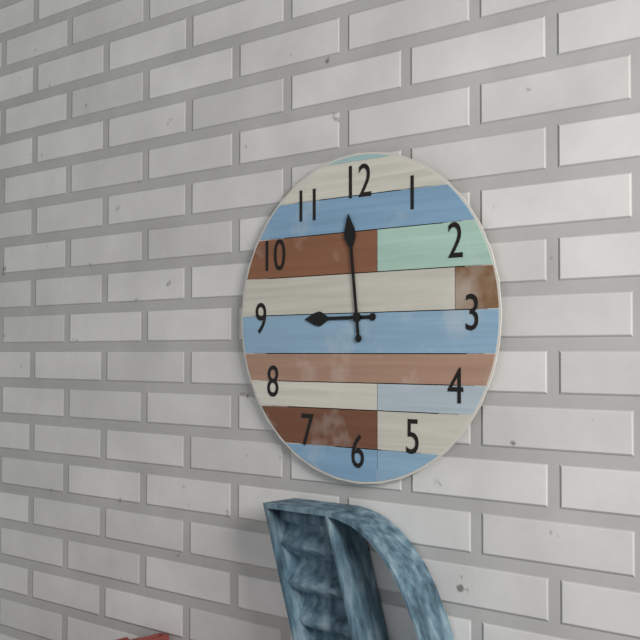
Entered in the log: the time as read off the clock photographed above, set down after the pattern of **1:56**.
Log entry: **8:59**
